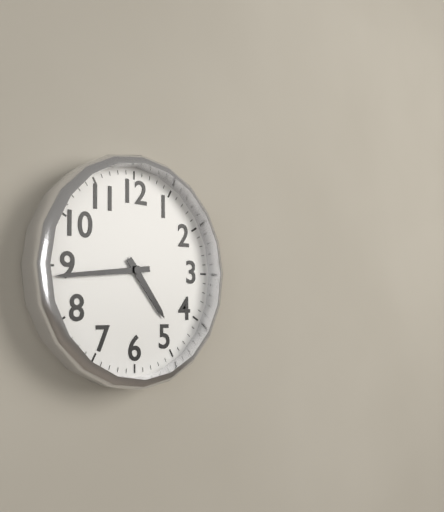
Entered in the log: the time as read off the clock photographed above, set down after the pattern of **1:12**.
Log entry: **4:44**
